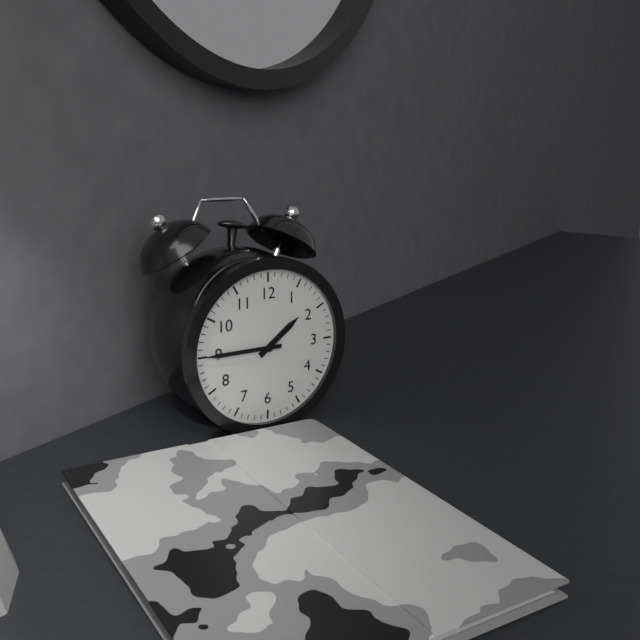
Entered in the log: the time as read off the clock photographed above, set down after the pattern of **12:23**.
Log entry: **1:45**
